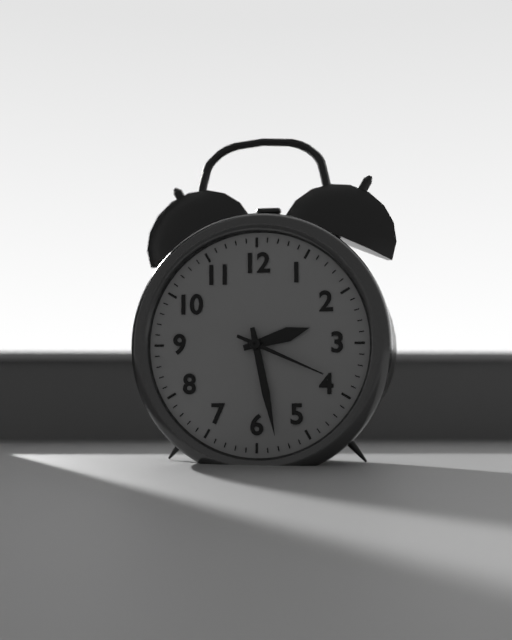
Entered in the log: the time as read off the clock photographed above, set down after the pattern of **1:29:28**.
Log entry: **2:28:19**
